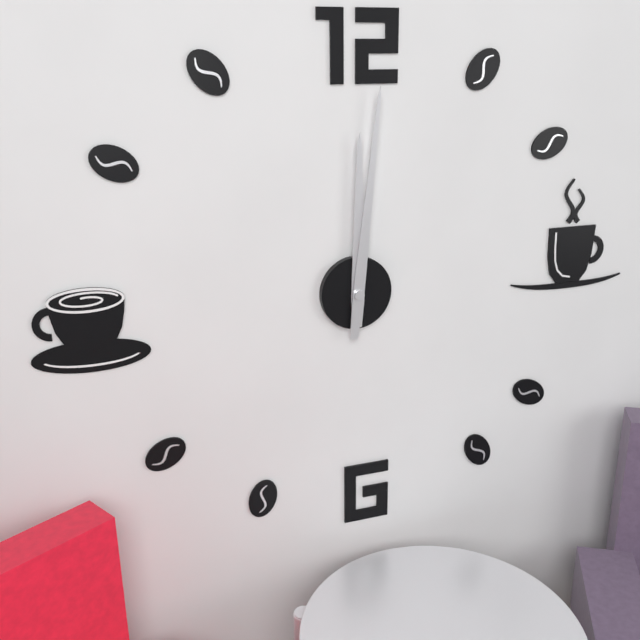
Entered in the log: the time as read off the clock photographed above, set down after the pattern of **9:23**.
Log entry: **12:01**
